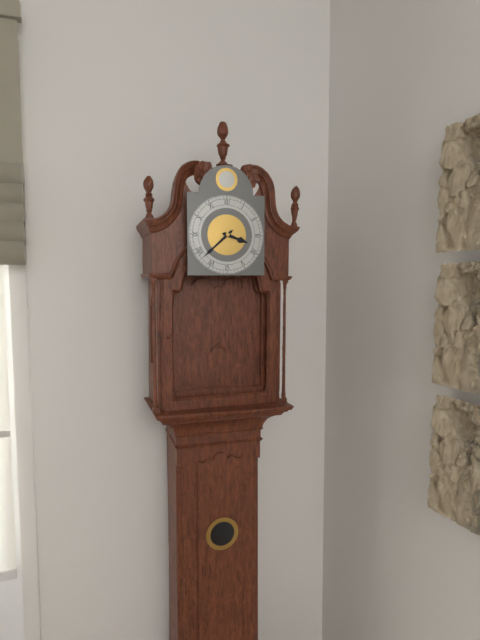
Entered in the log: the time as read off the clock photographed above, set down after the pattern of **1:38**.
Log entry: **3:38**
